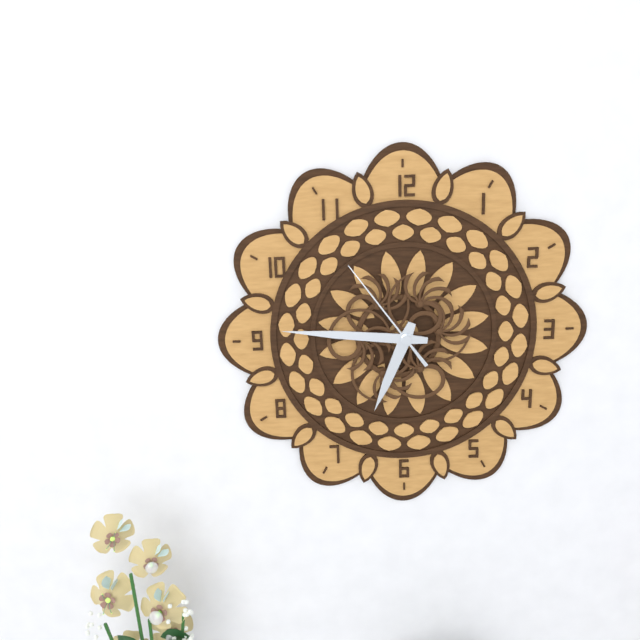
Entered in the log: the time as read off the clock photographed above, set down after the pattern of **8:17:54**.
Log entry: **6:46:54**
